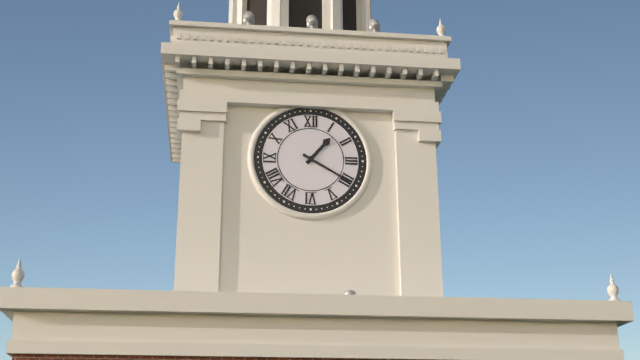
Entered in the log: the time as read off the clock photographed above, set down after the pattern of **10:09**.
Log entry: **1:20**
